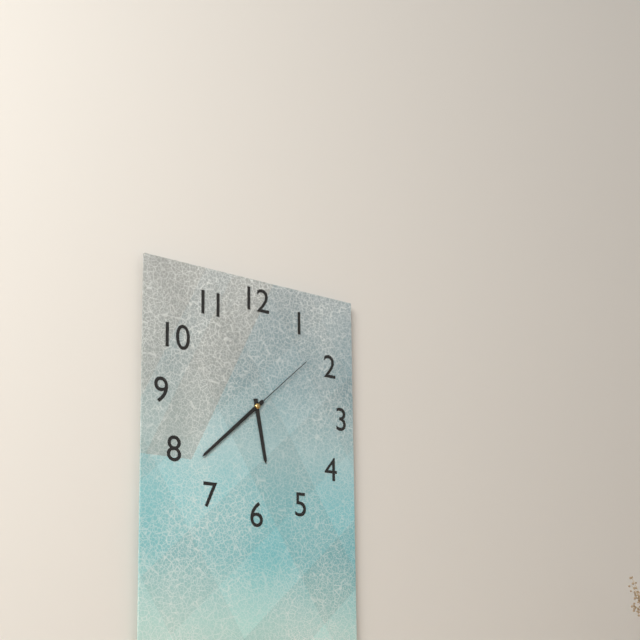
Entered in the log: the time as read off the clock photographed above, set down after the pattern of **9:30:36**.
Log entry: **5:38:08**
